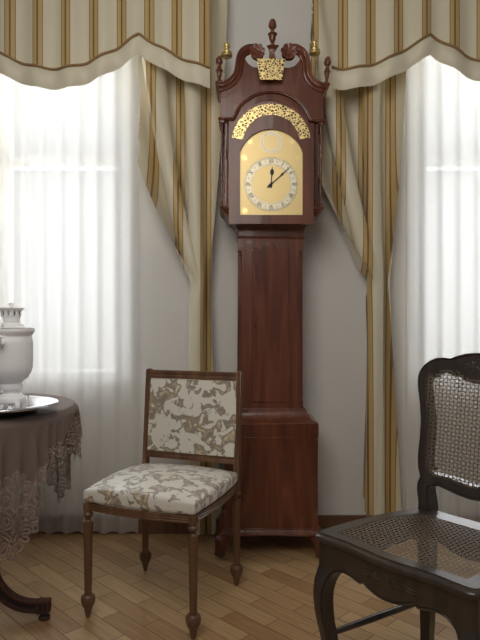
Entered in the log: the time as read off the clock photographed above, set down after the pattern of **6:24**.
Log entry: **12:08**
